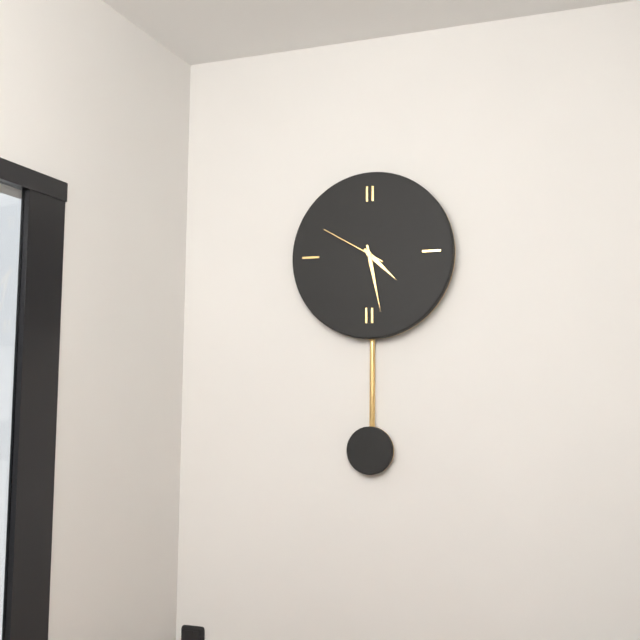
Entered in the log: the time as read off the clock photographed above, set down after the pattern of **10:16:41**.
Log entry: **4:28:50**
